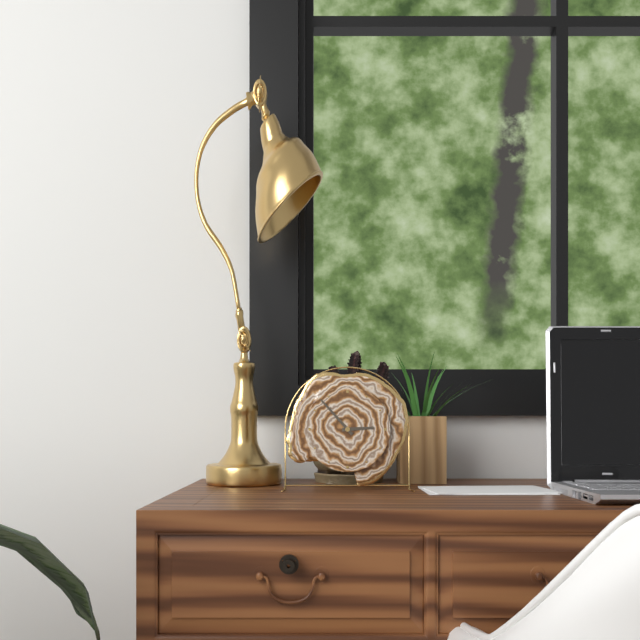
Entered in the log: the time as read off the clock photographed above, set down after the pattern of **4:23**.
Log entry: **2:53**
